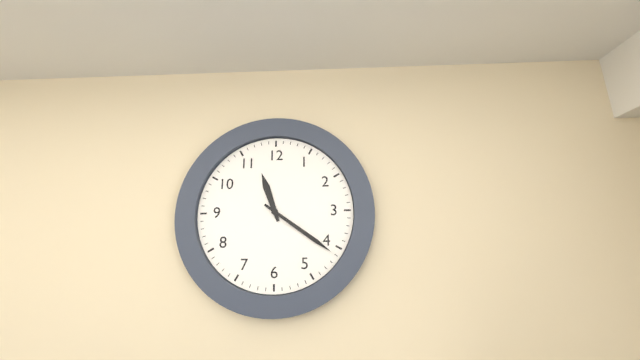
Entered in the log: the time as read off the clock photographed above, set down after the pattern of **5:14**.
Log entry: **11:21**
